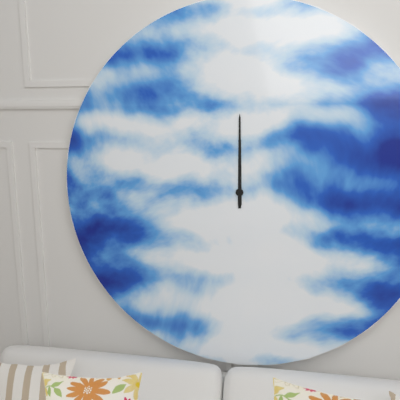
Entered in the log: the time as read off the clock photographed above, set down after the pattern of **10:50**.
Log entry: **12:00**
